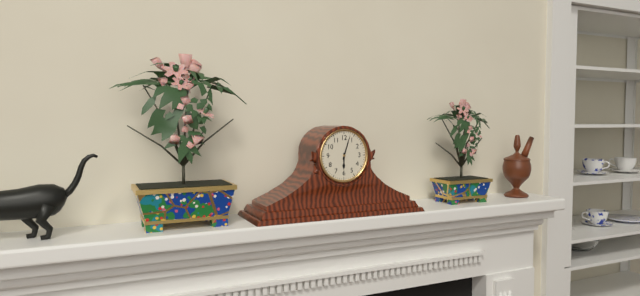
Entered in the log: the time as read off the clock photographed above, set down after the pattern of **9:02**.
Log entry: **6:03**
